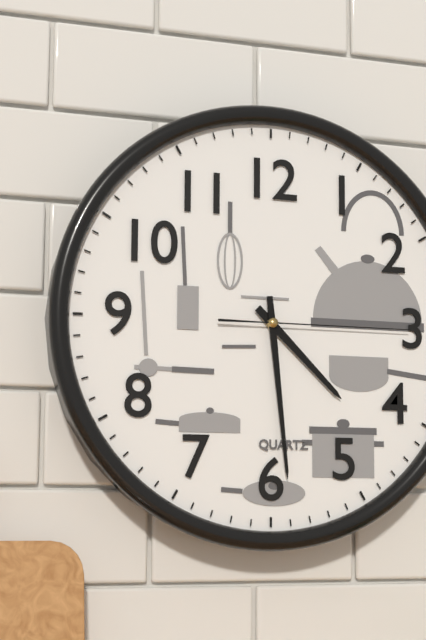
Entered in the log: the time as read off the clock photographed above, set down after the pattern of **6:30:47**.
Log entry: **4:29:15**
